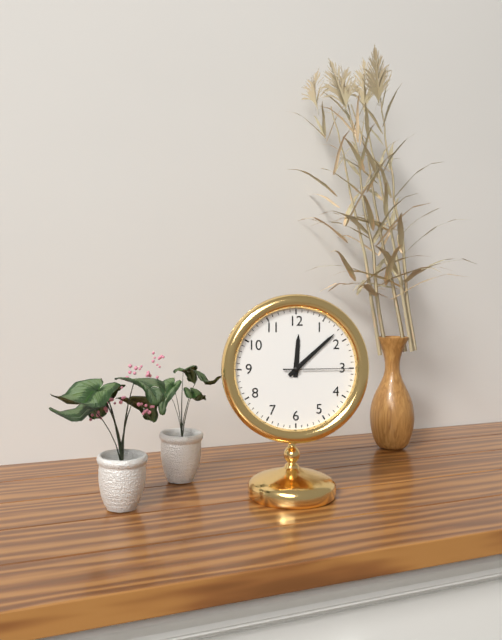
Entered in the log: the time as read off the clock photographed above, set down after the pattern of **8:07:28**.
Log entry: **12:08:15**
